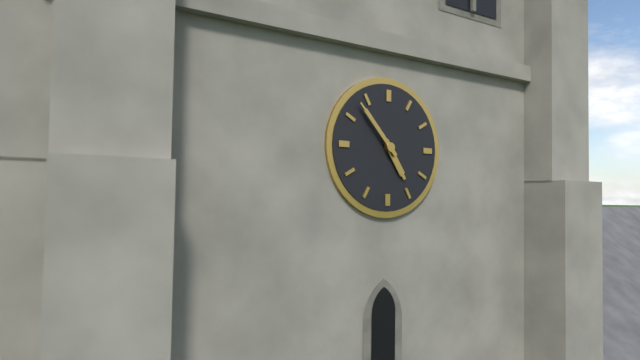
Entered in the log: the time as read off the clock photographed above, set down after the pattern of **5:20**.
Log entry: **4:53**
